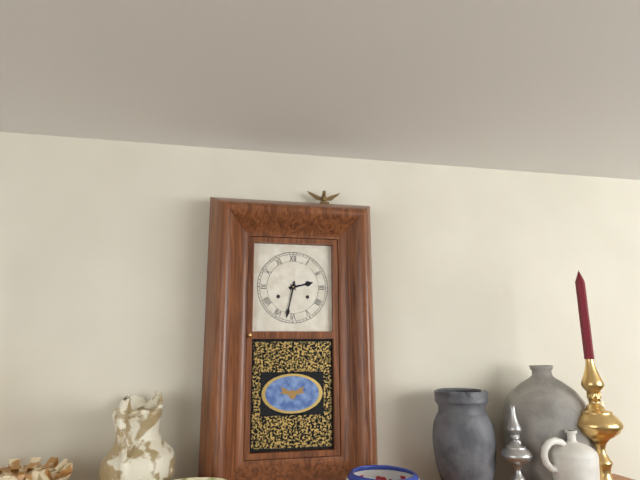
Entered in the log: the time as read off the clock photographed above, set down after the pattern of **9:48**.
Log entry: **2:32**
